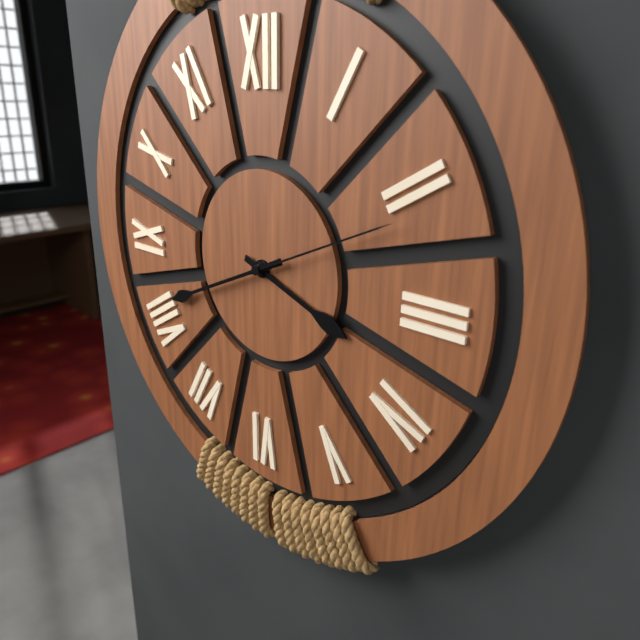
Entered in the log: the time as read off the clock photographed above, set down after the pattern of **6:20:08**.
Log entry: **3:41:11**
